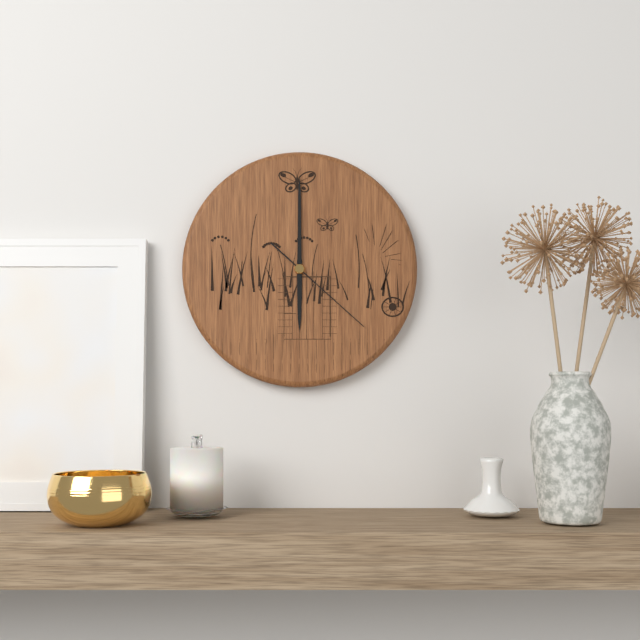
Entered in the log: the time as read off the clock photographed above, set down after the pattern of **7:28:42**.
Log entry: **6:00:22**
